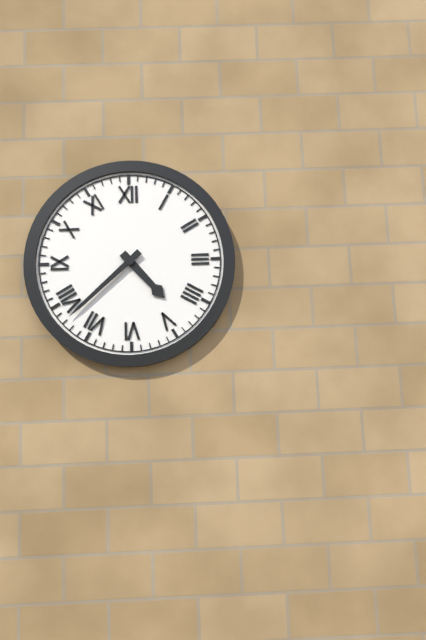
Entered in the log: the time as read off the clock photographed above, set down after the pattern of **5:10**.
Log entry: **4:38**
